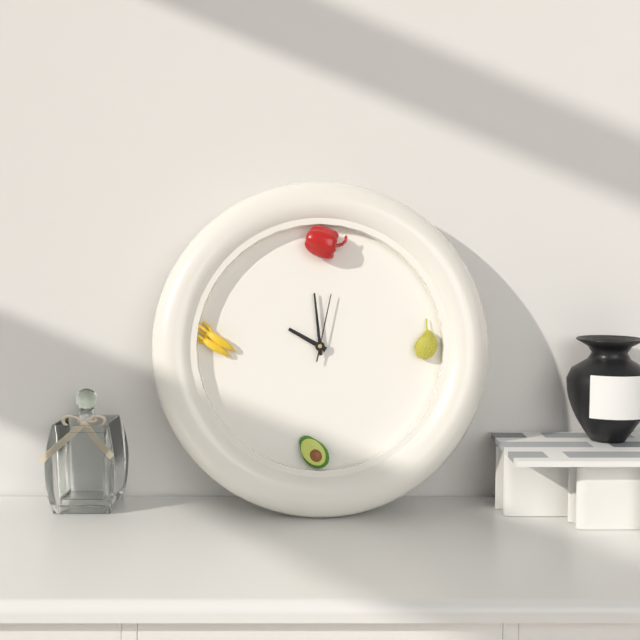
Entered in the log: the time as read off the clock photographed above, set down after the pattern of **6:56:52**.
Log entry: **9:59:02**
